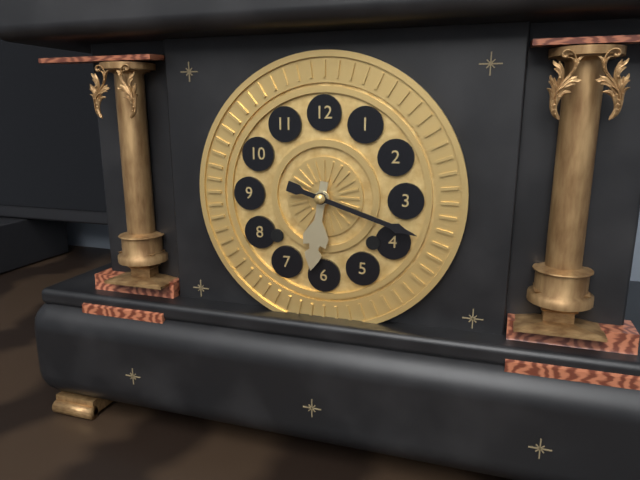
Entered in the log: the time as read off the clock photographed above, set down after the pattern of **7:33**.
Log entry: **6:18**
